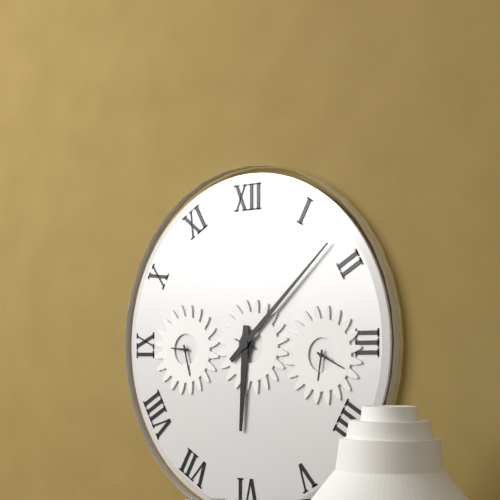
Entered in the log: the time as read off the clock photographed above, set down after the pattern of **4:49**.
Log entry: **6:08**
